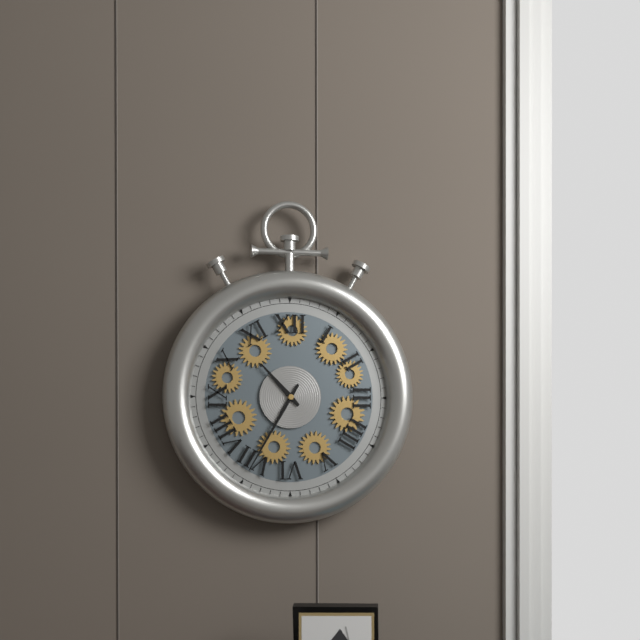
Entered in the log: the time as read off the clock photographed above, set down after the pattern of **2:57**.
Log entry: **10:35**
